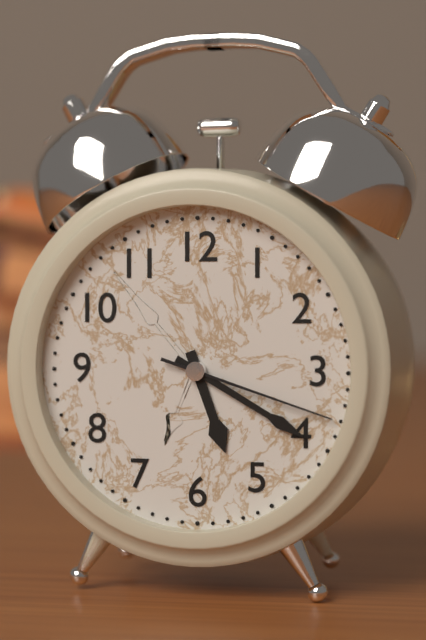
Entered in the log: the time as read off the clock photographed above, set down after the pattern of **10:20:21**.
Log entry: **5:20:18**
